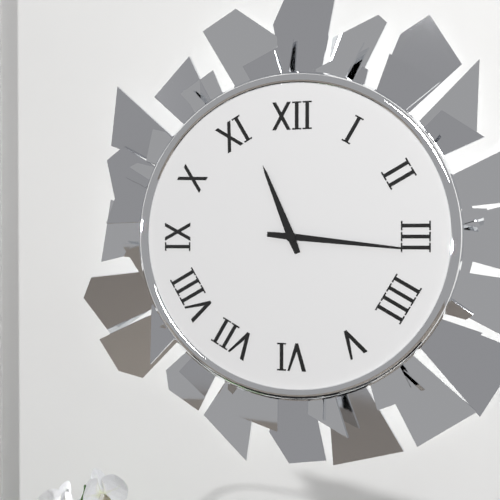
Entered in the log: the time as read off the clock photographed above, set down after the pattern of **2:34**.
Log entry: **11:16**
